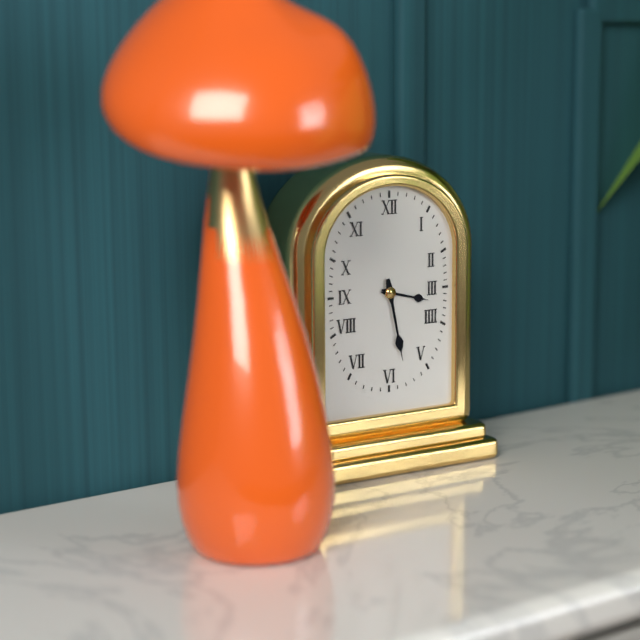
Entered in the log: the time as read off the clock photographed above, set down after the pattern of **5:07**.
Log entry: **3:28**
